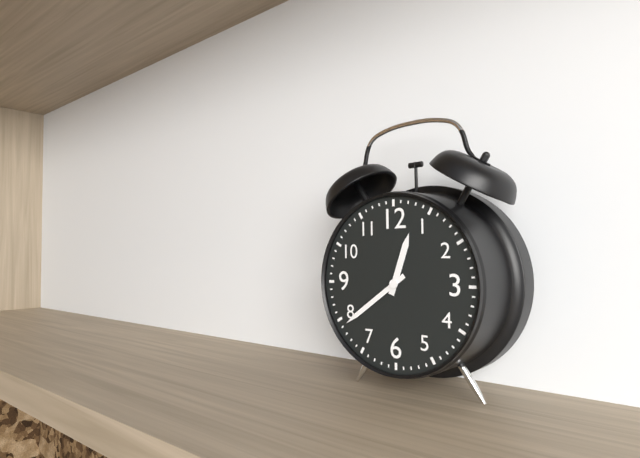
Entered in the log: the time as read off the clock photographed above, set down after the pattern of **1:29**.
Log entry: **12:39**
